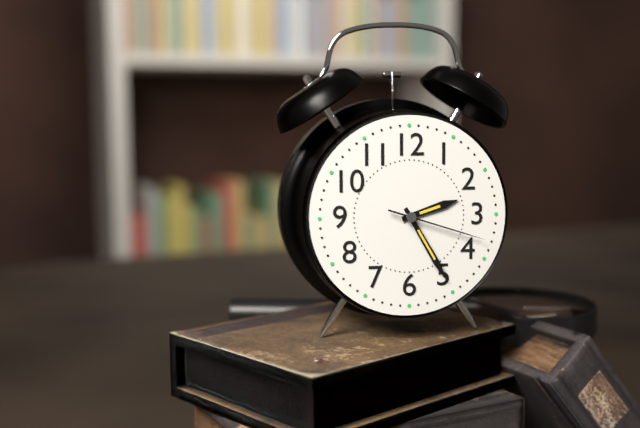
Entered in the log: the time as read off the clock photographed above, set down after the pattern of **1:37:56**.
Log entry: **2:25:18**
